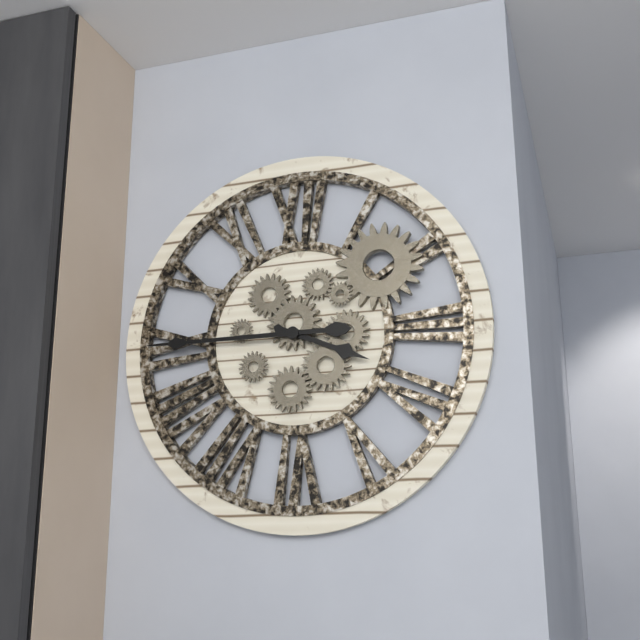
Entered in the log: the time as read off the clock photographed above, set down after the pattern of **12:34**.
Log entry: **3:45**
